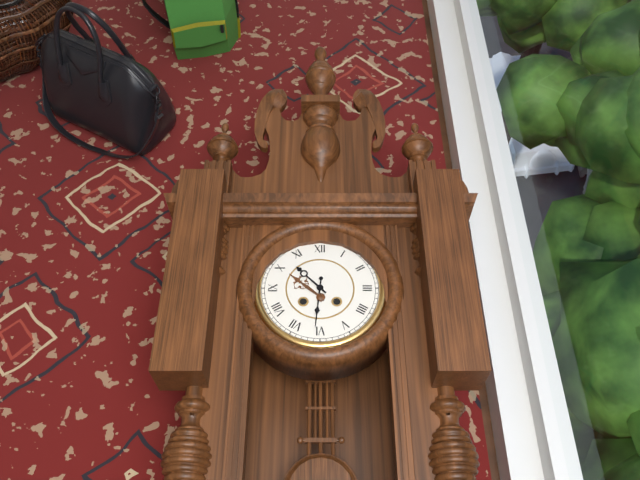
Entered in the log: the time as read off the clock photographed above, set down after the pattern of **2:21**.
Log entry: **10:31**
